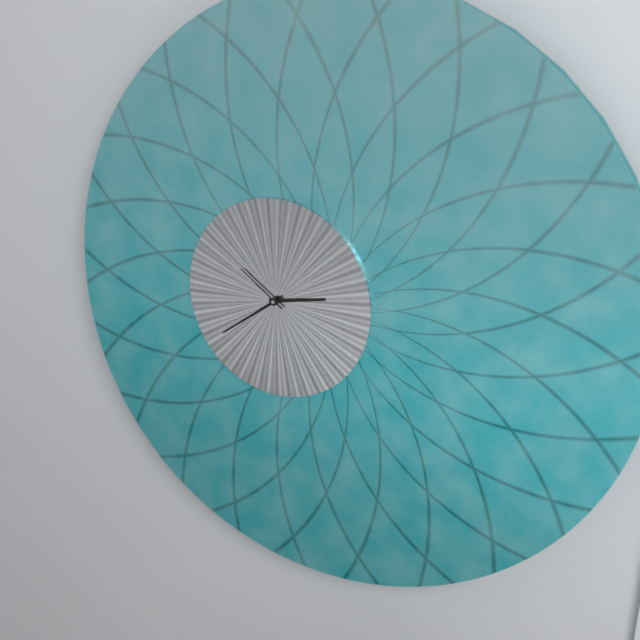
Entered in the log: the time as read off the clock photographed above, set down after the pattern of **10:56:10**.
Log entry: **2:39:51**
